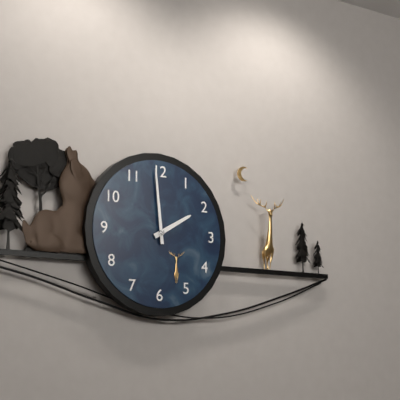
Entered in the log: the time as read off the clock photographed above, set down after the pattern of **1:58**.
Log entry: **1:59**
